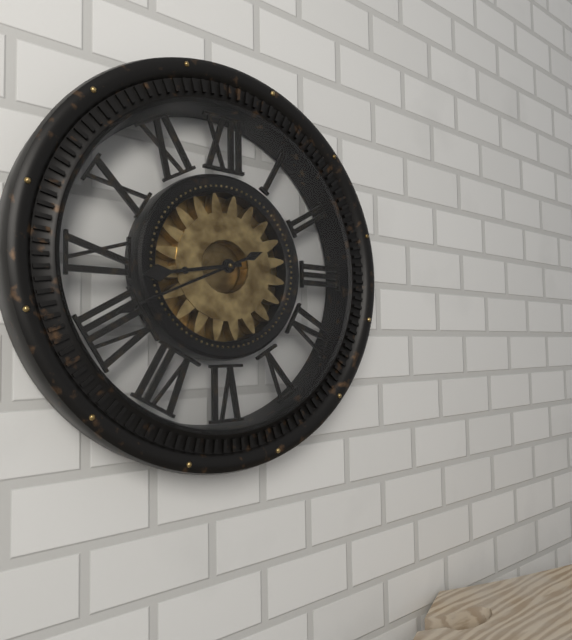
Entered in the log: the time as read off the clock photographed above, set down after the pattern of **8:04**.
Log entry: **8:41**
